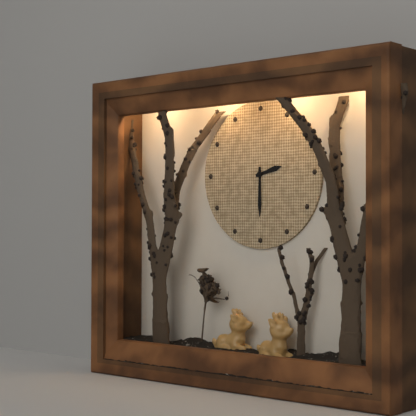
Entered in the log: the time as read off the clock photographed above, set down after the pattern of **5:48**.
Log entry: **2:30**
